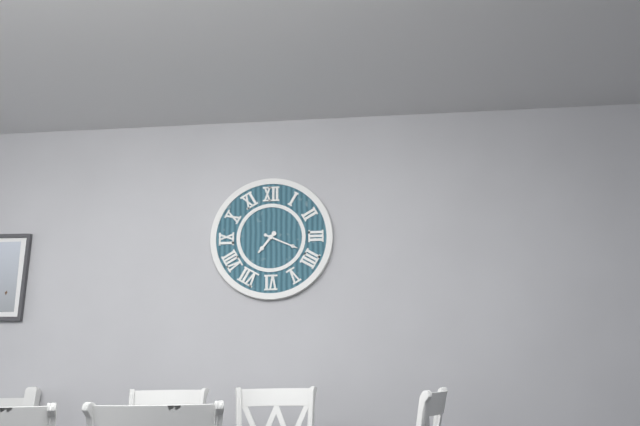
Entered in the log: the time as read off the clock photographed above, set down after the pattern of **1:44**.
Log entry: **7:19**
